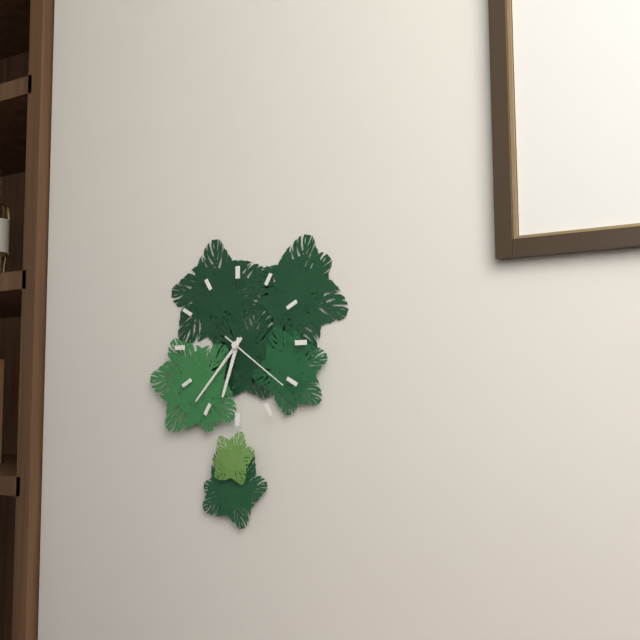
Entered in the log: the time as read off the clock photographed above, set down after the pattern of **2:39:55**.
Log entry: **6:37:21**
